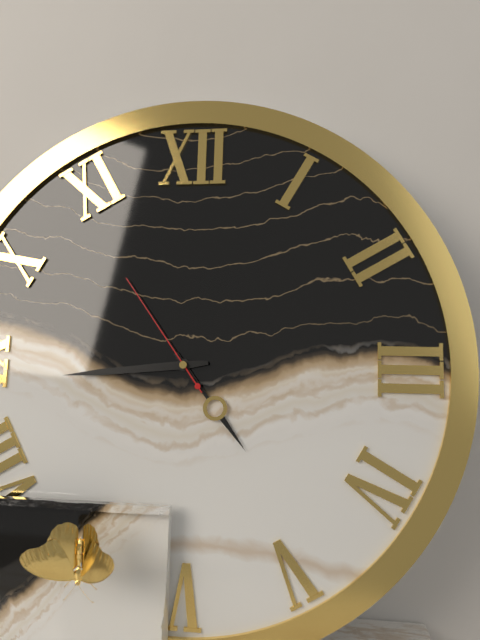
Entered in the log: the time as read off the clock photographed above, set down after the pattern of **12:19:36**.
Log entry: **4:44:54**
